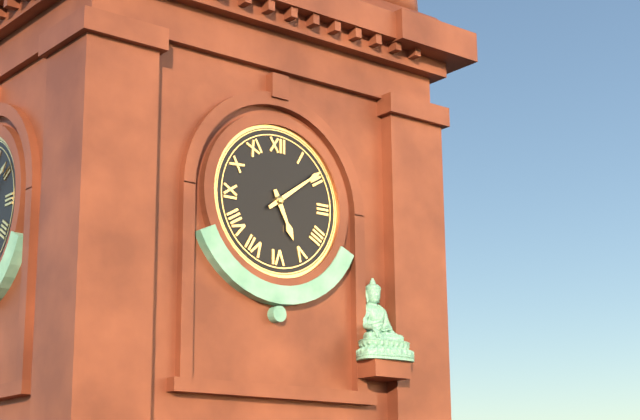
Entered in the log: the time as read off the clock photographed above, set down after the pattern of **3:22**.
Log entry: **5:09**
